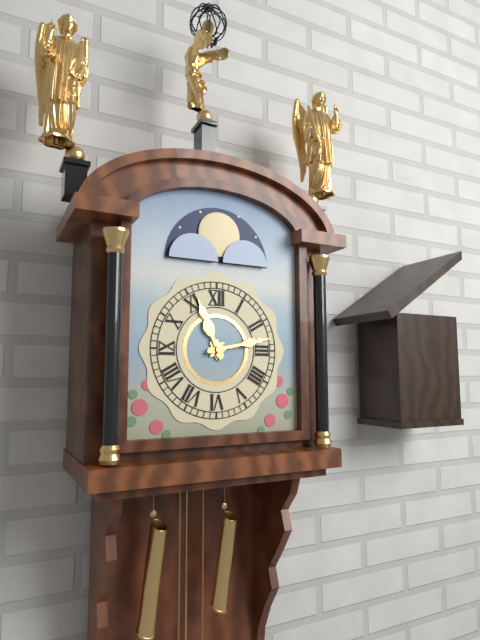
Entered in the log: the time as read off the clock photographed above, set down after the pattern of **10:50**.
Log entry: **11:13**
